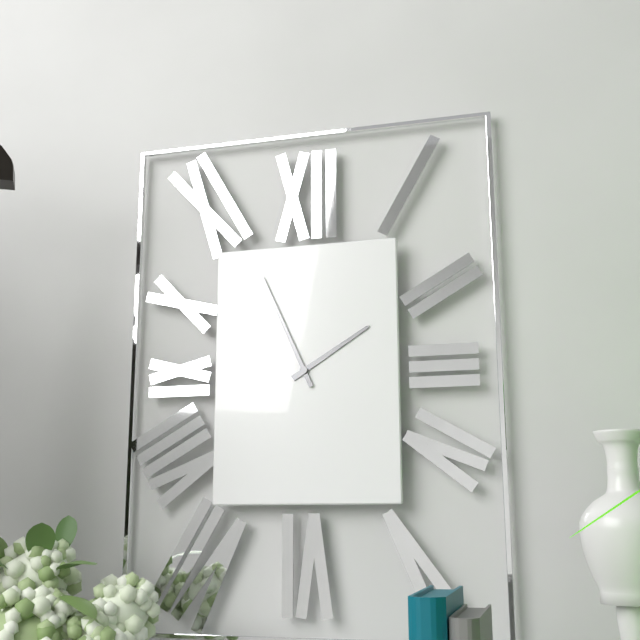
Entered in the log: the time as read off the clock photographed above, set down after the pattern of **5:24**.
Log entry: **1:56**
